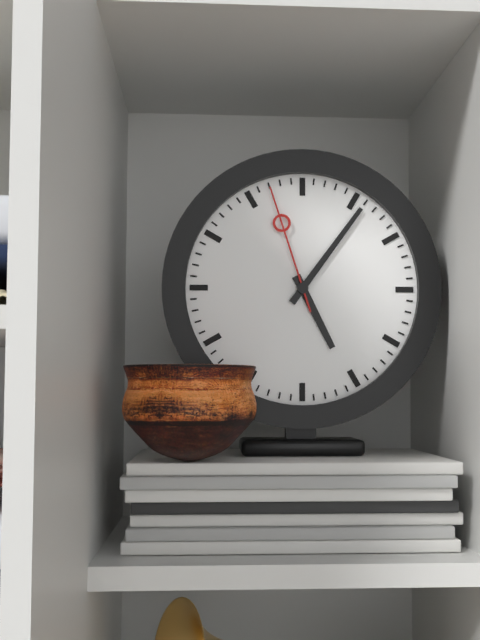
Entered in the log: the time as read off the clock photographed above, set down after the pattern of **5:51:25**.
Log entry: **5:06:57**
